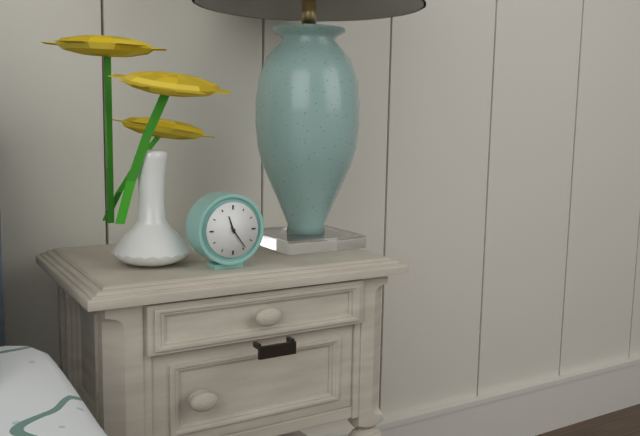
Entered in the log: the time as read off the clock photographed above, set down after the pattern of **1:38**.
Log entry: **11:24**
